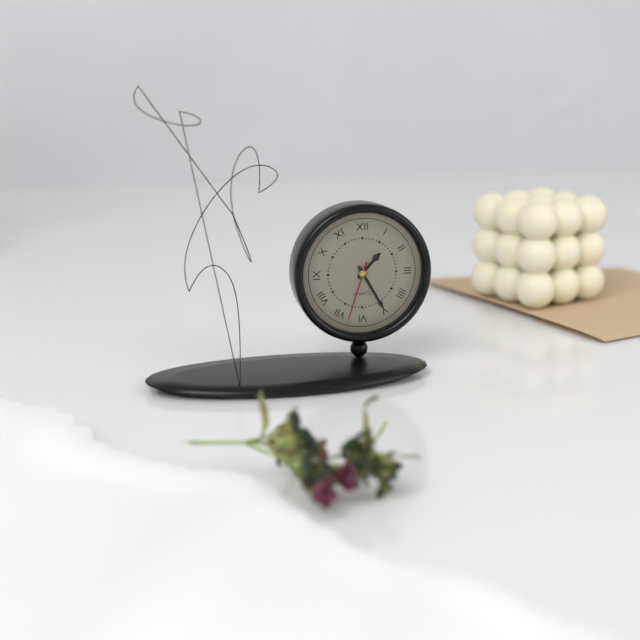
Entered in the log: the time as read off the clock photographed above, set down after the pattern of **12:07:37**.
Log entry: **1:25:33**
